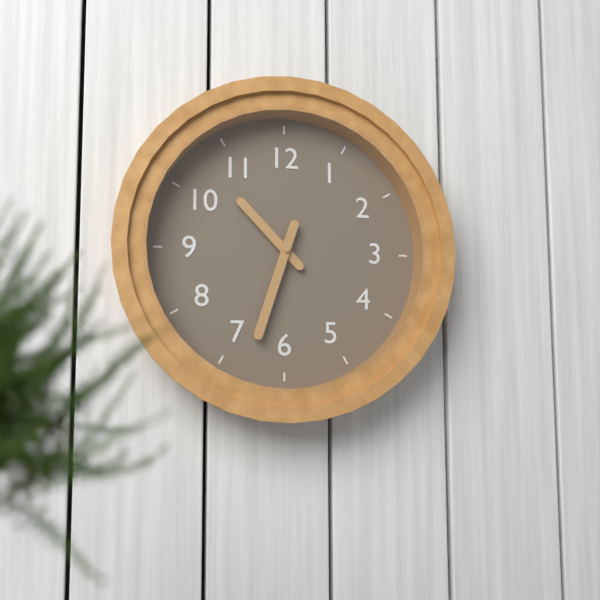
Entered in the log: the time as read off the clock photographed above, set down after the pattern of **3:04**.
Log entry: **10:33**
